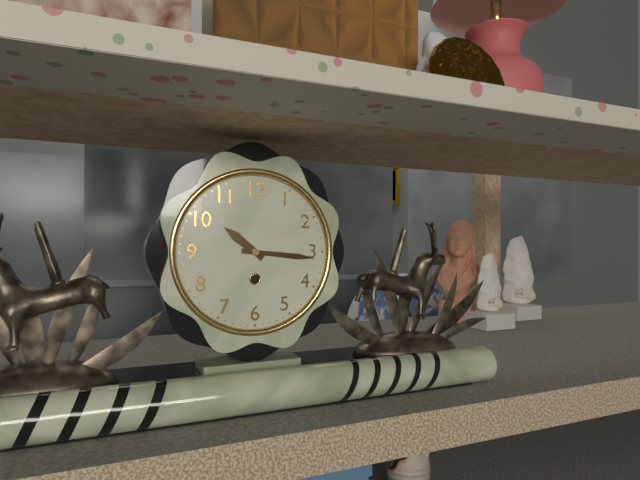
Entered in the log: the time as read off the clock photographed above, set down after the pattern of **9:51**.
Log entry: **10:16**
